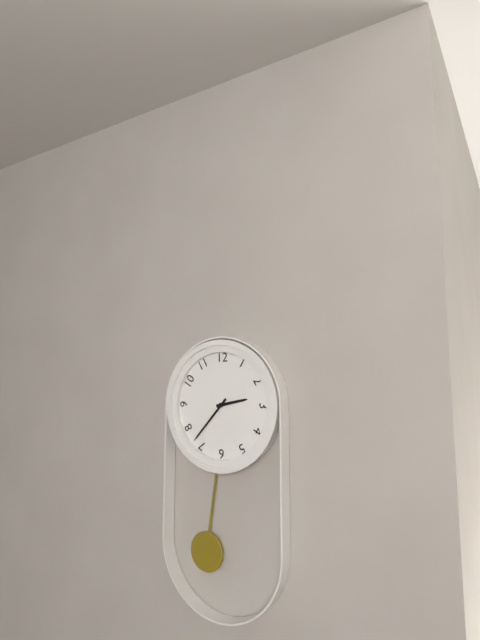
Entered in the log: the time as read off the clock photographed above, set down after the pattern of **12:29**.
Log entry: **2:37**
